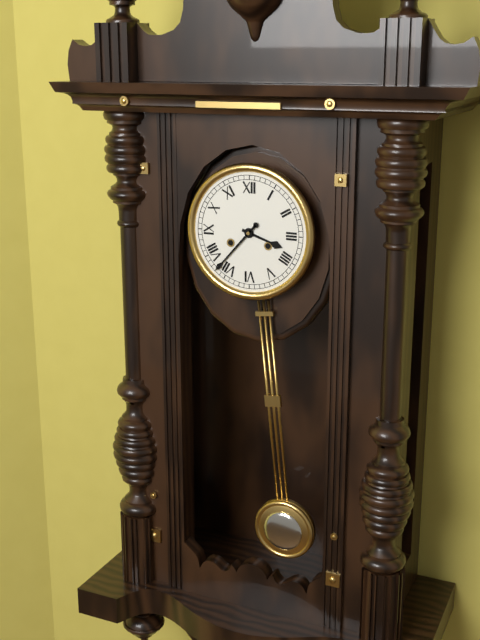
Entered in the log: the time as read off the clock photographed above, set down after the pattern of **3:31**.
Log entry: **3:37**
